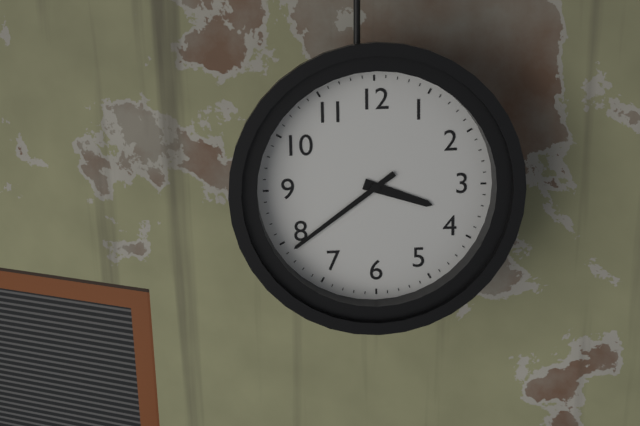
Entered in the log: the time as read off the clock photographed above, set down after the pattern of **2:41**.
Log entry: **3:39**
